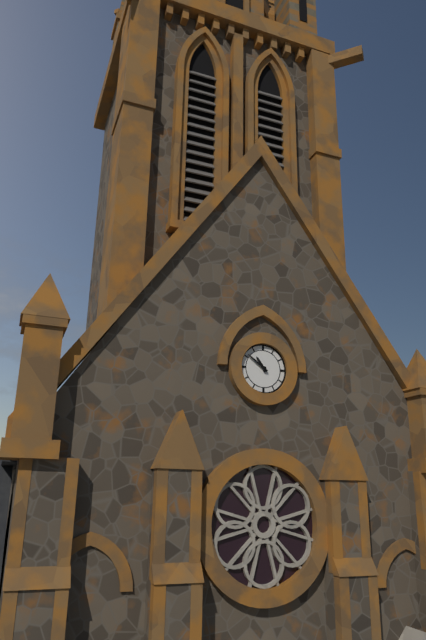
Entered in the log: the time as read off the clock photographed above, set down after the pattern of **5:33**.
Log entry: **10:51**
